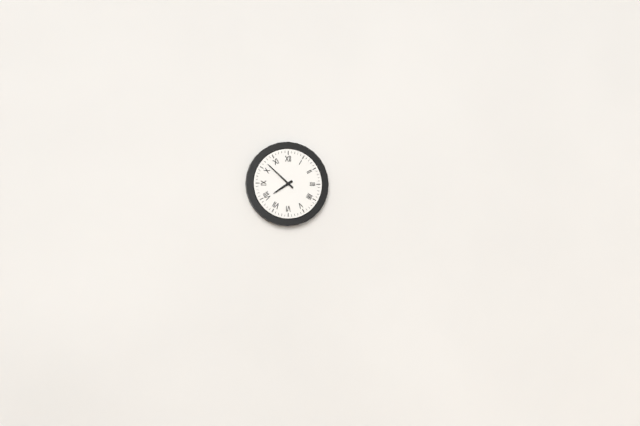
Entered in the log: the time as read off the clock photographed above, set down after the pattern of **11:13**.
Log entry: **7:52**
